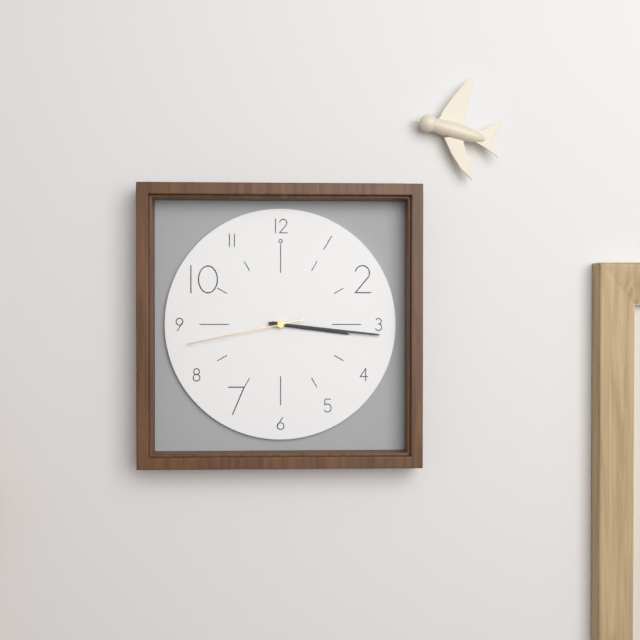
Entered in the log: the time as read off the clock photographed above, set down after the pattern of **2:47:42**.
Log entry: **3:16:43**
